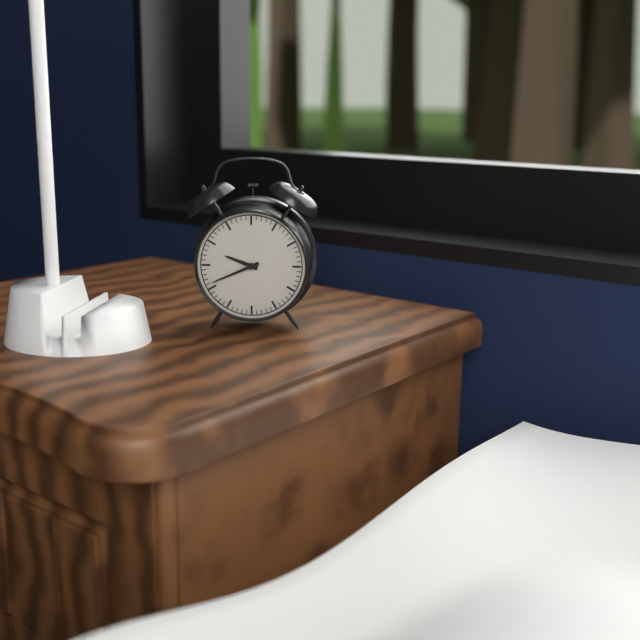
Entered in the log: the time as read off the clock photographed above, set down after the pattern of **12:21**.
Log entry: **9:41**
